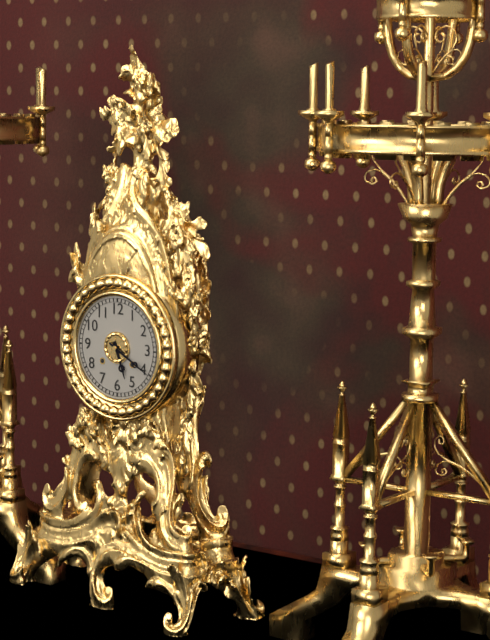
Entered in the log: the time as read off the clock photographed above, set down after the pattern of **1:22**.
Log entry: **5:20**
